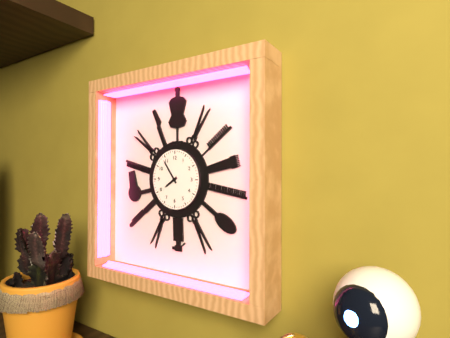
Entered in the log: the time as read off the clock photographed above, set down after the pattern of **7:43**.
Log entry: **7:54**
